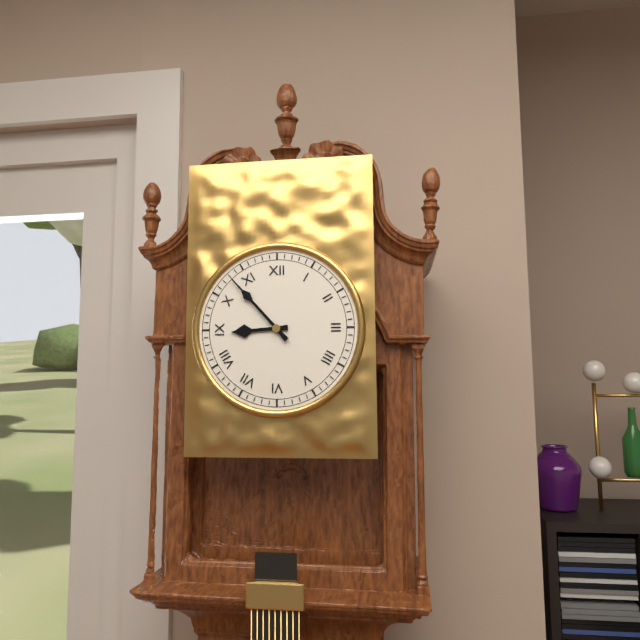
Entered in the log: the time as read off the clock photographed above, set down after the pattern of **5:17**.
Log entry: **8:53**
